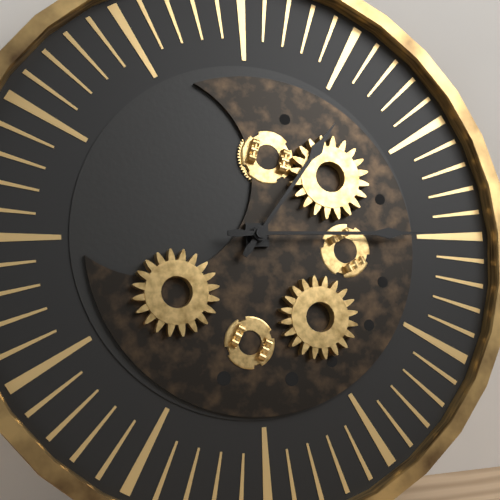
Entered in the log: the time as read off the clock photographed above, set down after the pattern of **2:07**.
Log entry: **1:15**
